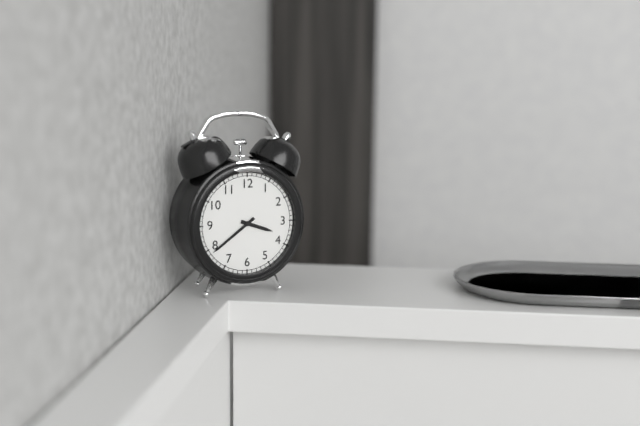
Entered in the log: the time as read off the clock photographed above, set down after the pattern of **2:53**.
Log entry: **3:39**
